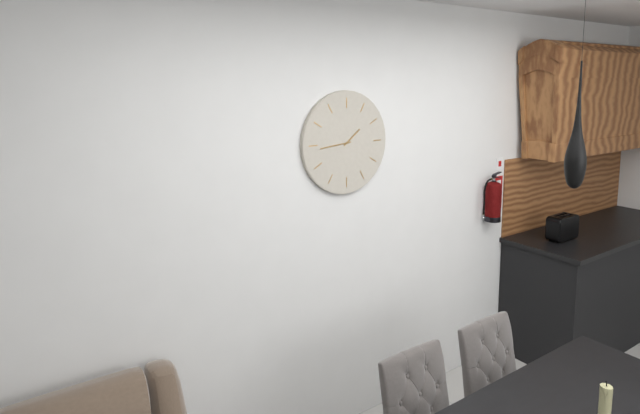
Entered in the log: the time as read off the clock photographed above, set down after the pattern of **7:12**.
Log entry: **1:44**
